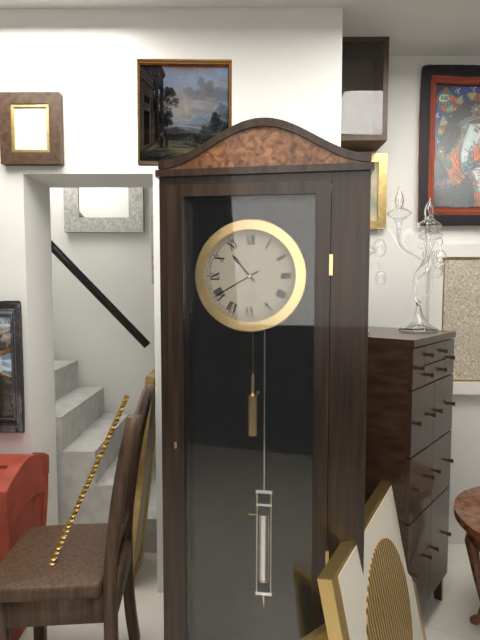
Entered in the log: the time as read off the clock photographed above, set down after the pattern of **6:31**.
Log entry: **10:40**
